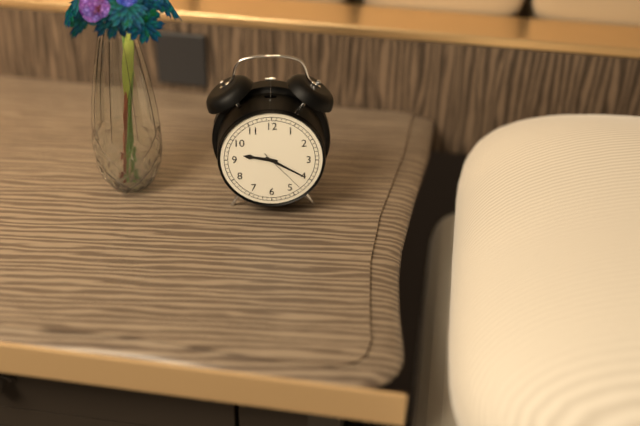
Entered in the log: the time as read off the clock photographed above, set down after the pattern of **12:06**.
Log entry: **9:20**
